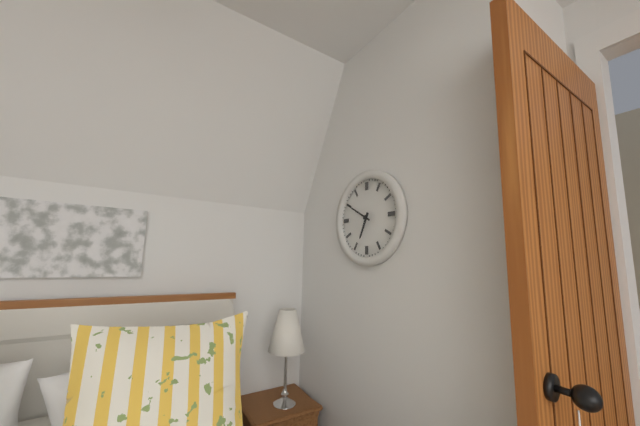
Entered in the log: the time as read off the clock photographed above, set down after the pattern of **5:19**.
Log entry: **6:50**
